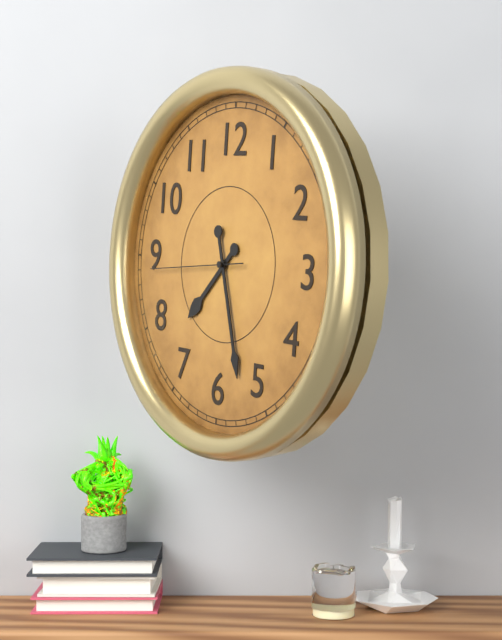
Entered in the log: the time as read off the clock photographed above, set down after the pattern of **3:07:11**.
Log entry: **7:27:44**
